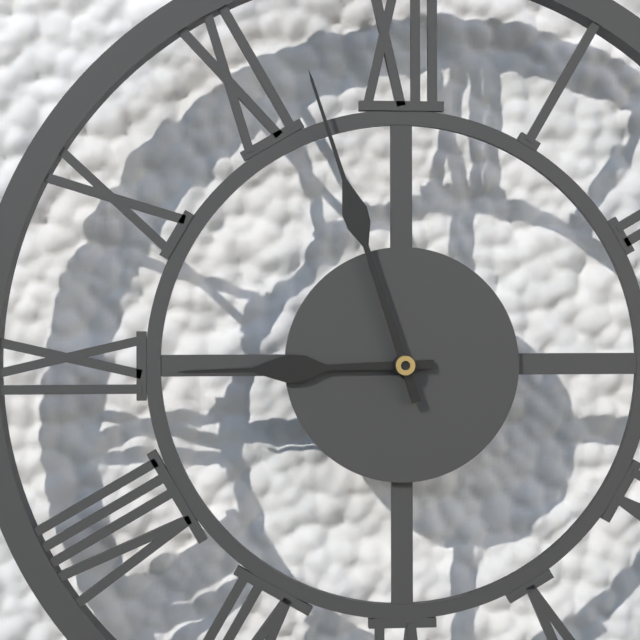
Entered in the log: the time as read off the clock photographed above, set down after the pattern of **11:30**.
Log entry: **8:57**
